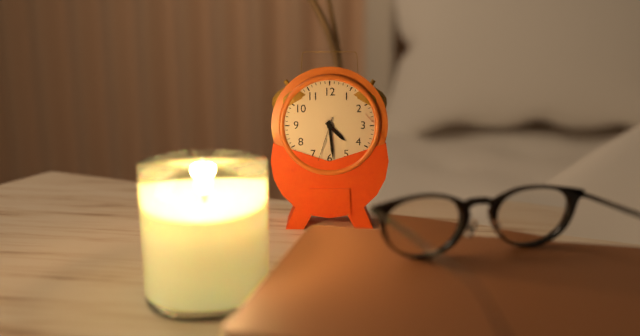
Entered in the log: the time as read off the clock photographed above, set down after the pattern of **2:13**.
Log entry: **4:29**
